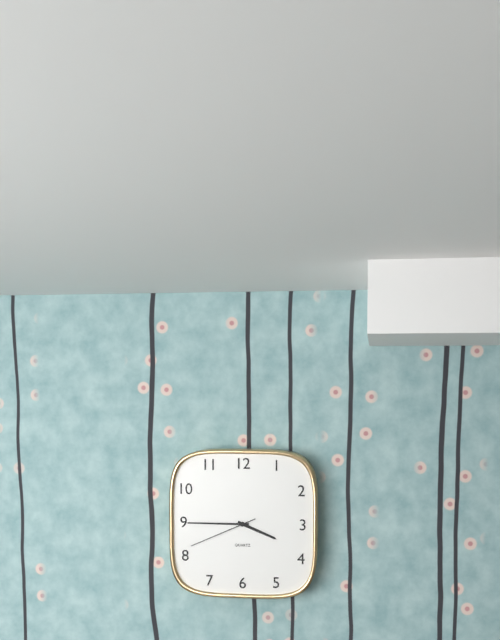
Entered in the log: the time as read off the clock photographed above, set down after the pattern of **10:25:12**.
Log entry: **3:45:41**
